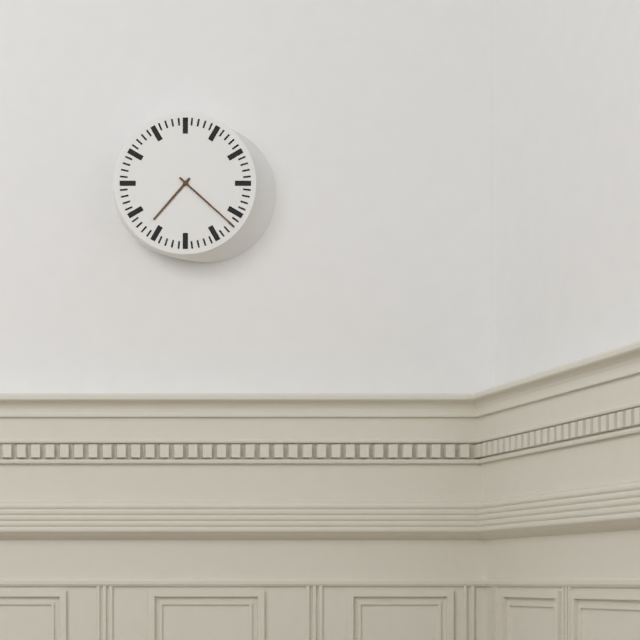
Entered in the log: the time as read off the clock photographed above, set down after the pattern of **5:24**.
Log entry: **7:22**
